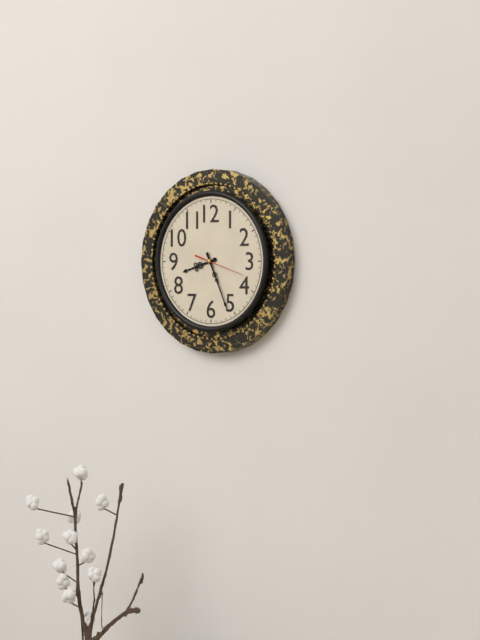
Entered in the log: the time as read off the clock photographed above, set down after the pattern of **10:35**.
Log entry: **8:26**
